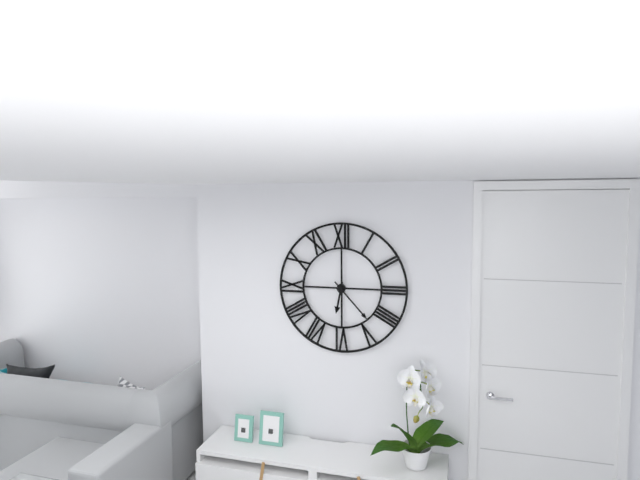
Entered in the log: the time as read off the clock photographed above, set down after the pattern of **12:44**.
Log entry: **6:23**
